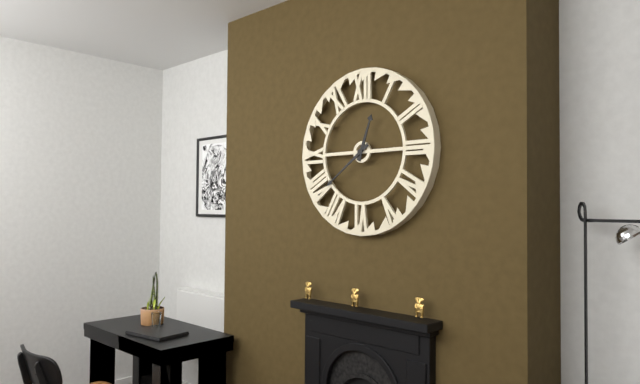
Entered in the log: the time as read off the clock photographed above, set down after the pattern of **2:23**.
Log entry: **12:39**
